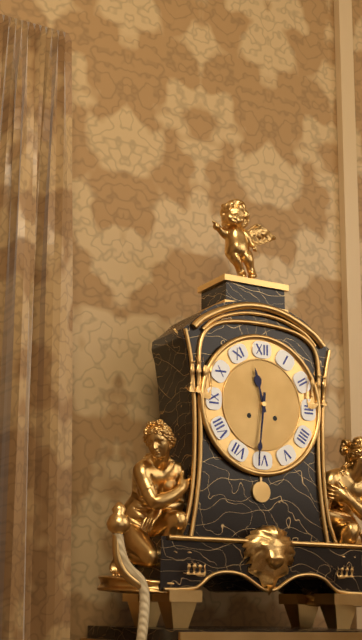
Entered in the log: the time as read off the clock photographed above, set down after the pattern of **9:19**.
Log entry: **11:31**
